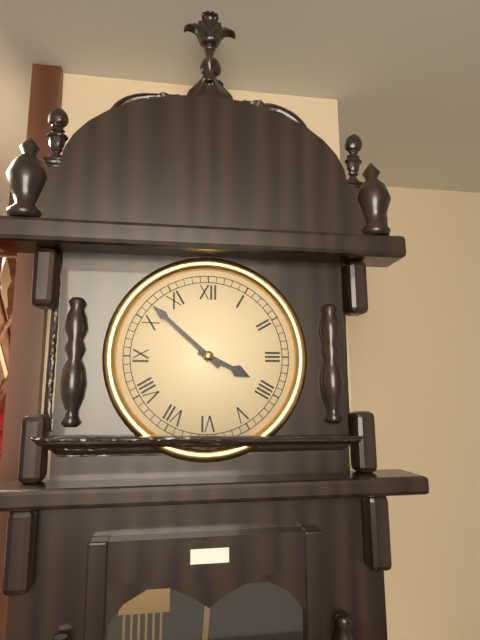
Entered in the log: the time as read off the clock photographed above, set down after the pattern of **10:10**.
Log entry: **3:52**
